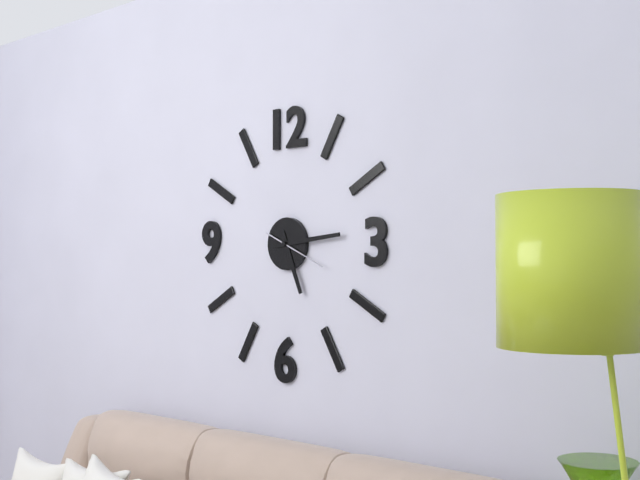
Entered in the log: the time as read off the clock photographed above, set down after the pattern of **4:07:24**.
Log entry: **5:14:19**
